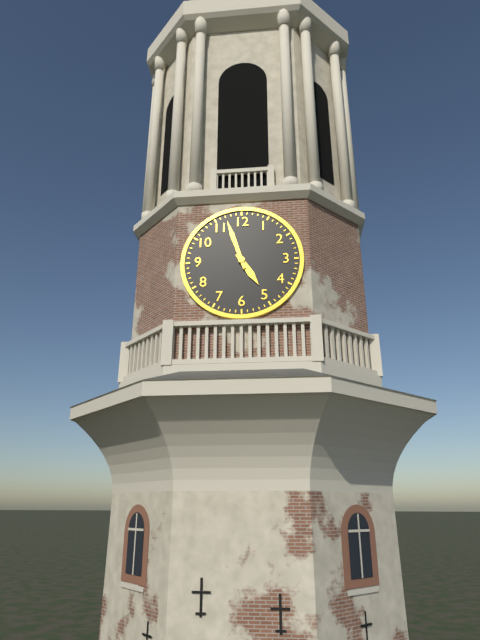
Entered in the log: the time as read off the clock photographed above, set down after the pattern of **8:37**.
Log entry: **4:57**
